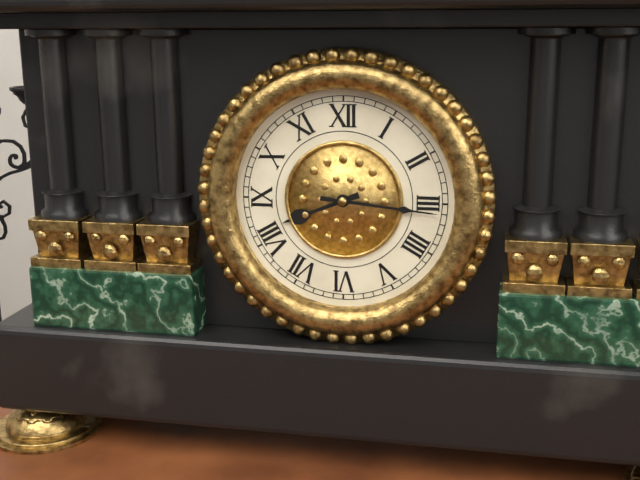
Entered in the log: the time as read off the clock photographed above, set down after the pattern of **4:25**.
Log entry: **8:16**
